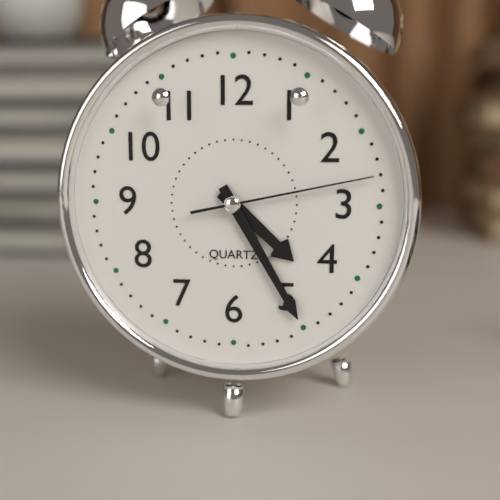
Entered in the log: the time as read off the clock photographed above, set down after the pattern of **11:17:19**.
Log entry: **4:25:13**
